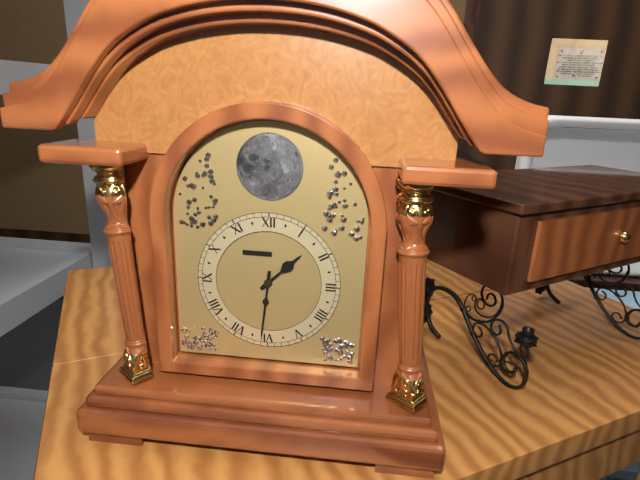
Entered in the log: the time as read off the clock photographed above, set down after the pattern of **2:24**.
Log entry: **1:31**
